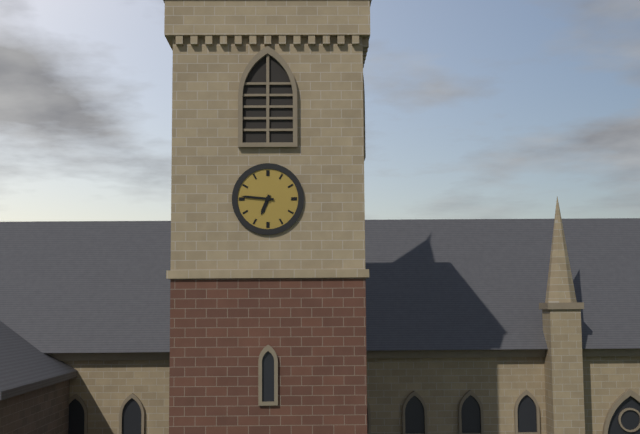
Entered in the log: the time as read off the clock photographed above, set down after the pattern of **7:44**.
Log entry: **6:46**
